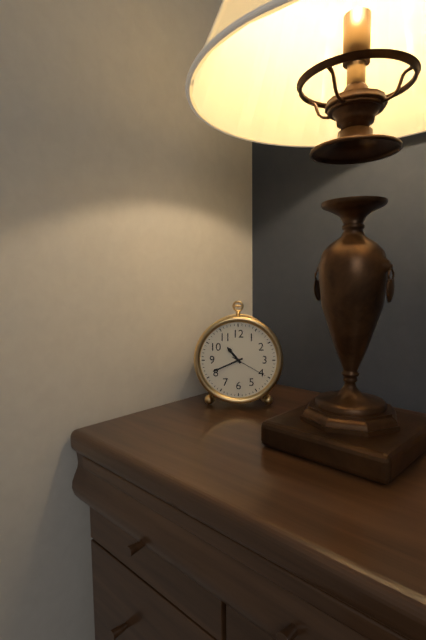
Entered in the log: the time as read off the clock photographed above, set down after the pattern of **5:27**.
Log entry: **10:41**
